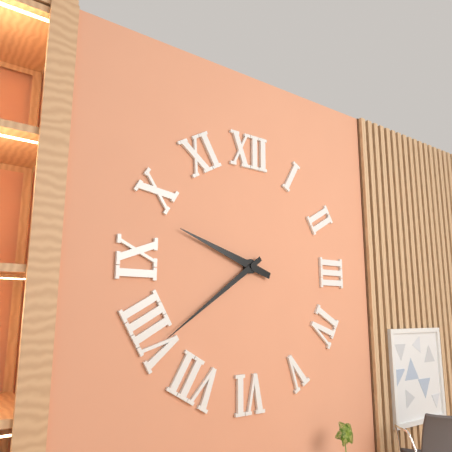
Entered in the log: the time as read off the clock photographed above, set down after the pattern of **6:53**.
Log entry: **9:39**
